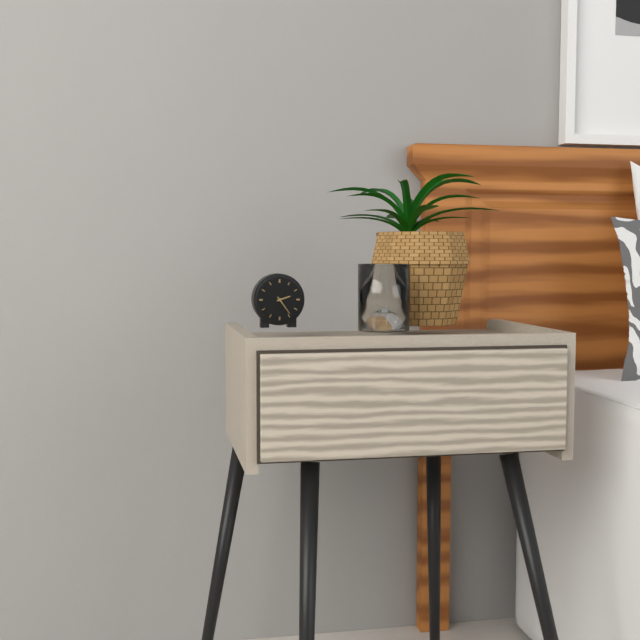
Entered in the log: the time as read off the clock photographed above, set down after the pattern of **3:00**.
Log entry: **2:24**
